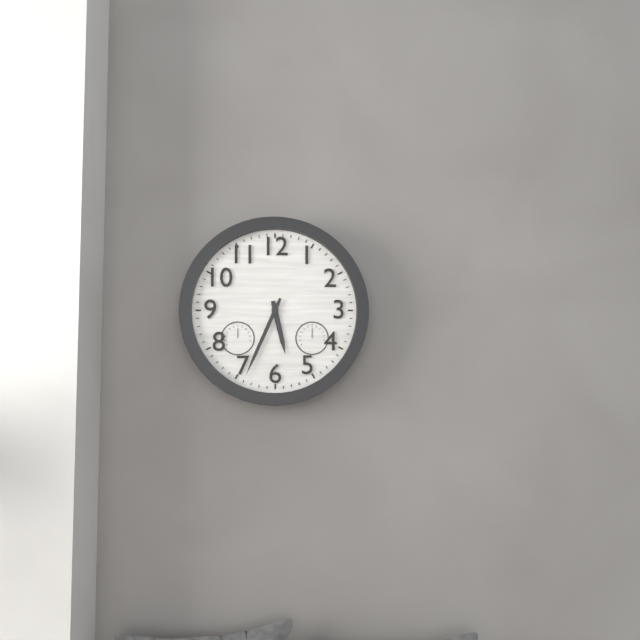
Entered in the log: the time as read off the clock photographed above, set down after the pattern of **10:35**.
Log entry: **5:34**
